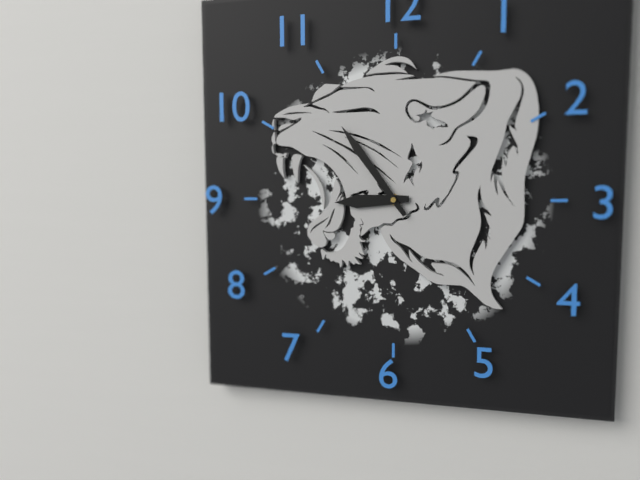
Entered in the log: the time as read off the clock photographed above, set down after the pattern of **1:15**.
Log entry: **8:54**
